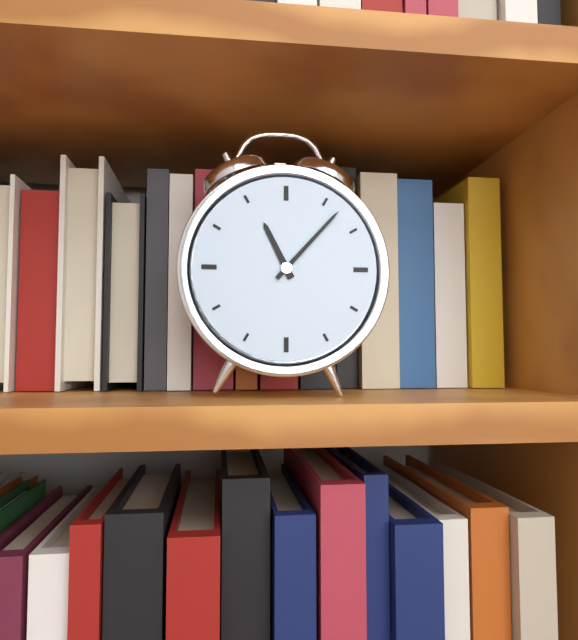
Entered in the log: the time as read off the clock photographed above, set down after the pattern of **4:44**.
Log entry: **11:07**
